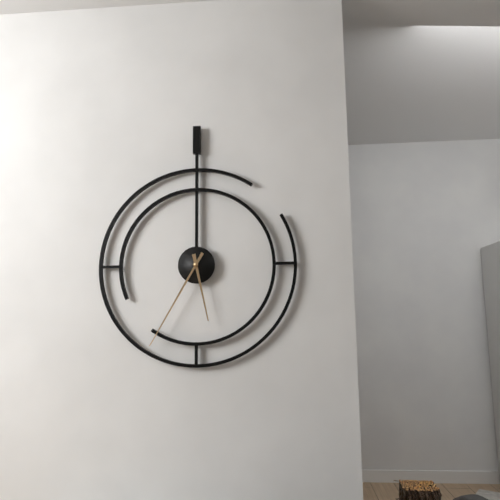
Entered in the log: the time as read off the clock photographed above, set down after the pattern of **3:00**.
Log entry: **5:35**
